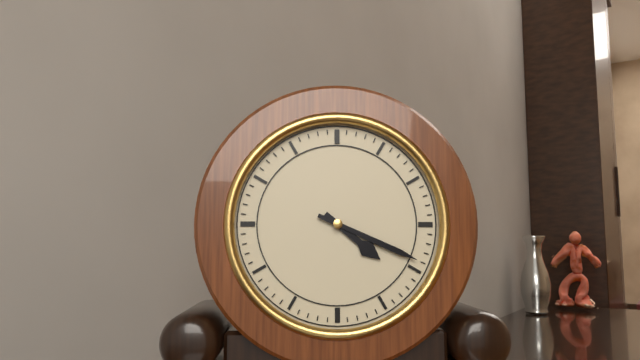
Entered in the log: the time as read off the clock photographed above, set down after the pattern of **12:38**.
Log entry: **4:19**
